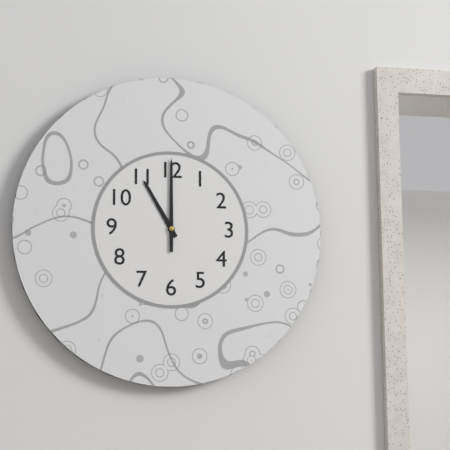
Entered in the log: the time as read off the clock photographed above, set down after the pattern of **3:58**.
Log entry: **11:00**
